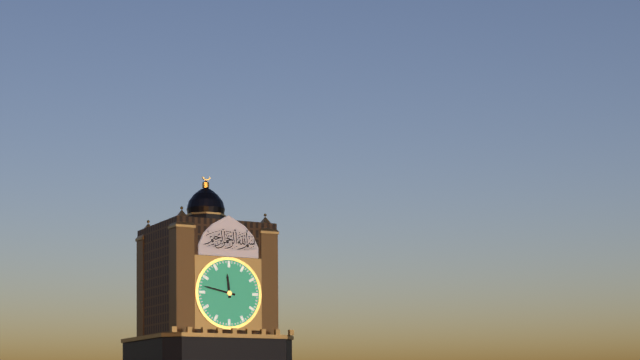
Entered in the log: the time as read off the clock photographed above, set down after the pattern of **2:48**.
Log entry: **11:47**
